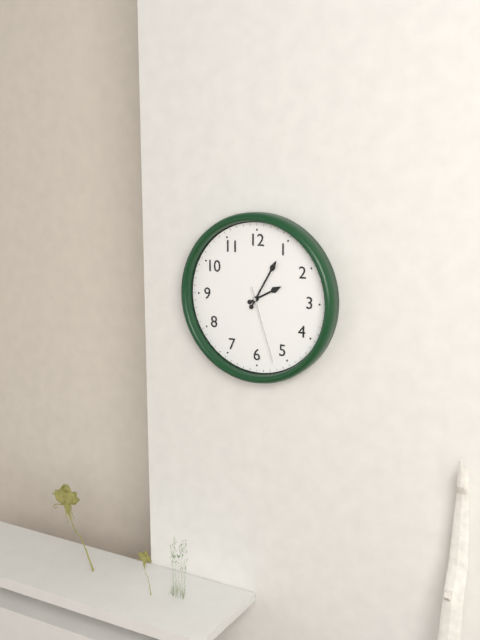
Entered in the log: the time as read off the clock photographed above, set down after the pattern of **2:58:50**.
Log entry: **2:05:27**
